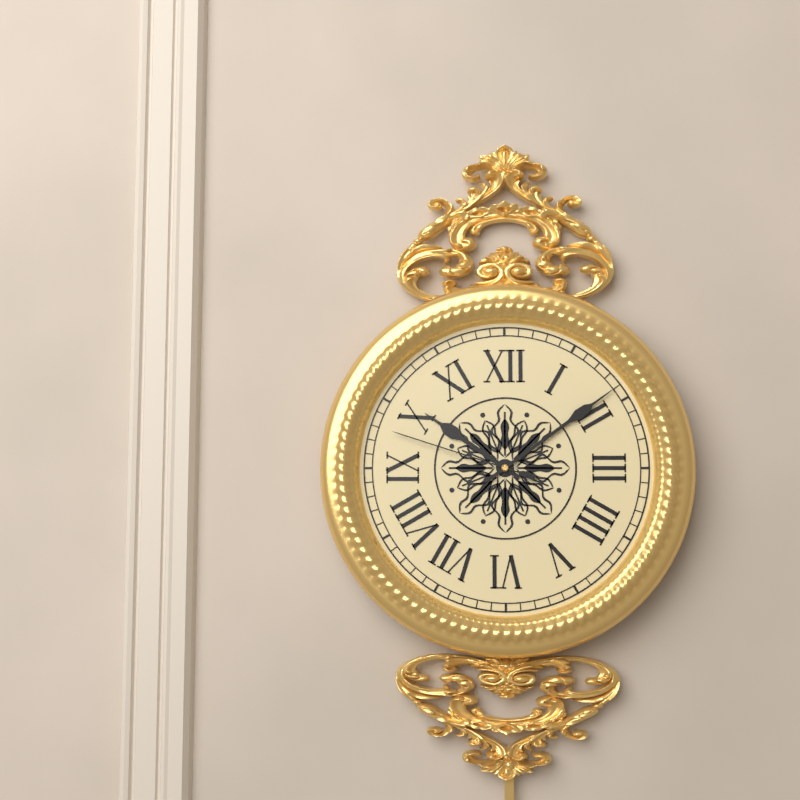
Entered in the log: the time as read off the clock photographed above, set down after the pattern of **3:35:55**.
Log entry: **10:09:48**
